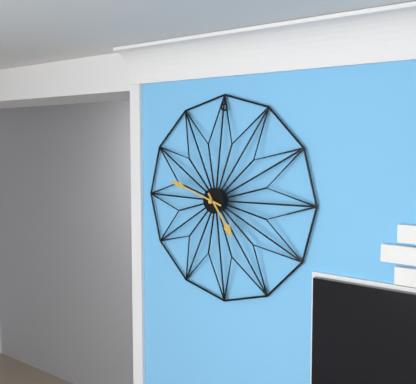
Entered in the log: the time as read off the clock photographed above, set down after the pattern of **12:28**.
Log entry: **4:48**
